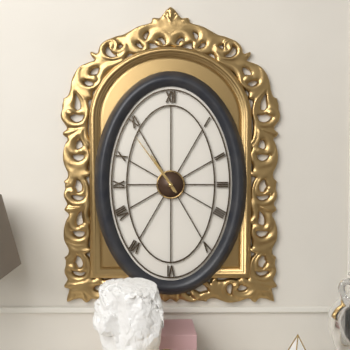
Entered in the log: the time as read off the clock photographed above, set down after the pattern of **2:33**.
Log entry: **10:54**
